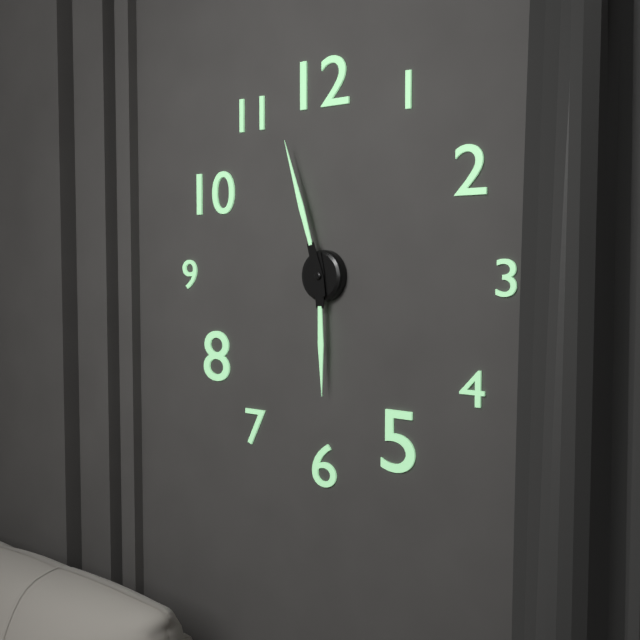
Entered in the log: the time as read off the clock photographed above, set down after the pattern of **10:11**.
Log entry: **5:57**
